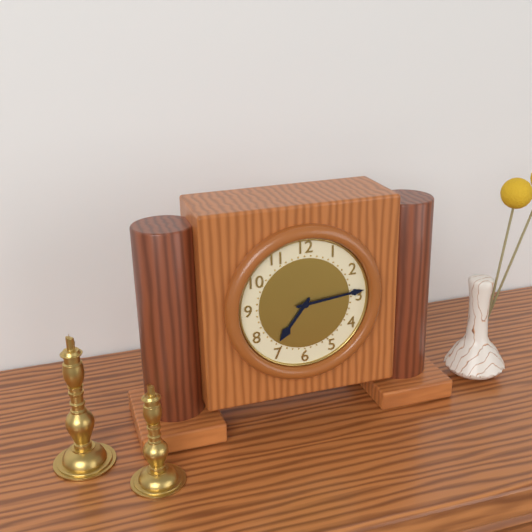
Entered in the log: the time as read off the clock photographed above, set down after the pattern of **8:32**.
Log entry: **7:14**
